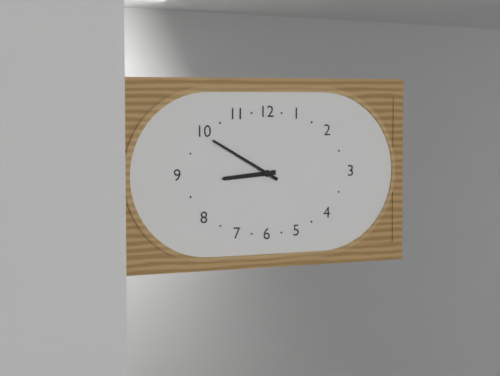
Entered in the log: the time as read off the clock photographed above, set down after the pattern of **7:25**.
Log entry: **8:50**
